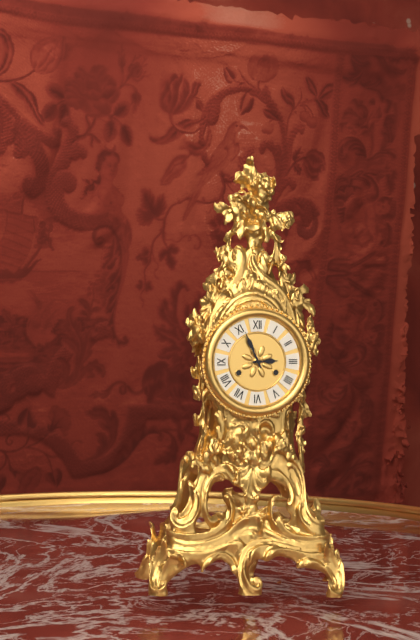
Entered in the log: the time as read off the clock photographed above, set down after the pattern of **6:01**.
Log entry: **2:56**
